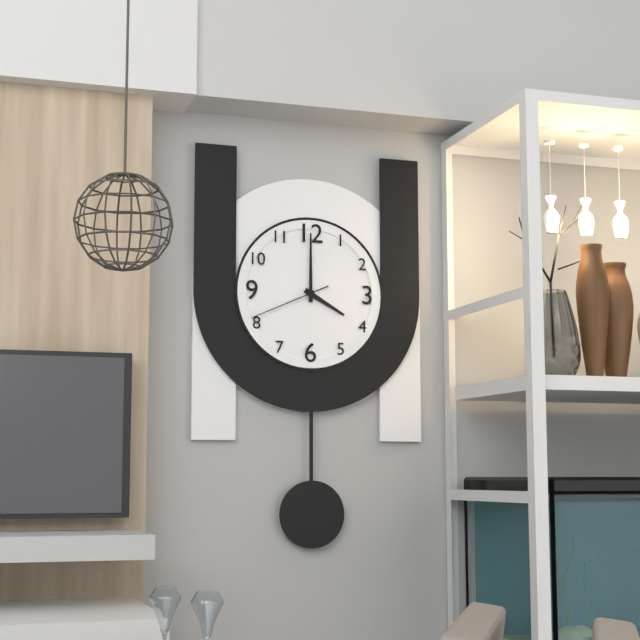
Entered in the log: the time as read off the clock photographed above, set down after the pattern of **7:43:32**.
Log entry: **4:00:41**
